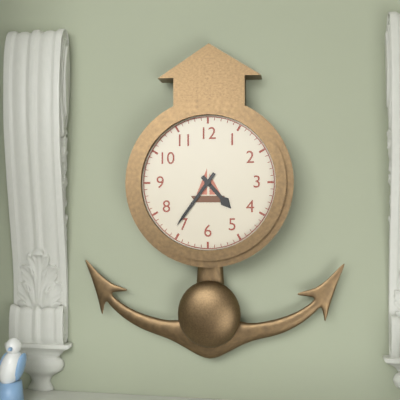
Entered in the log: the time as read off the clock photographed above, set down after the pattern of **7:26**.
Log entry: **4:36**
